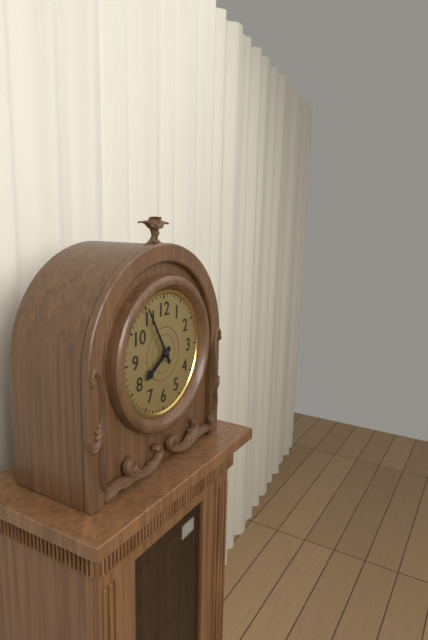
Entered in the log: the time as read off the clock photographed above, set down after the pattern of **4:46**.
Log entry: **7:55**
